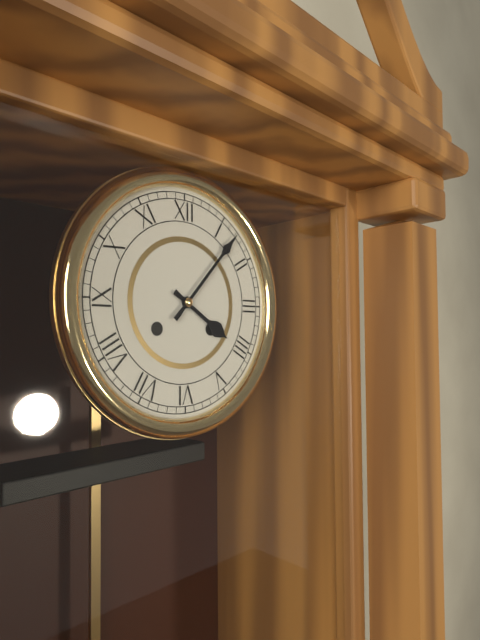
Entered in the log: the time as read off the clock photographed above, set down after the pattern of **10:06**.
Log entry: **4:07**
